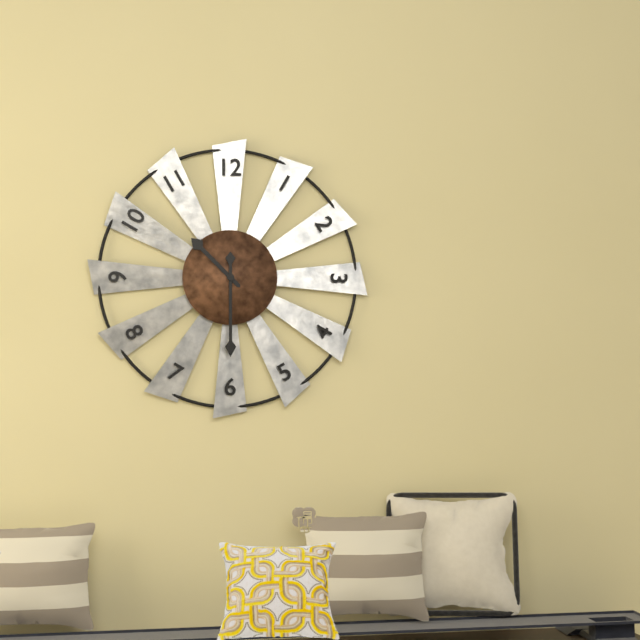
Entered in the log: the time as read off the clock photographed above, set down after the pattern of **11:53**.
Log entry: **10:30**
